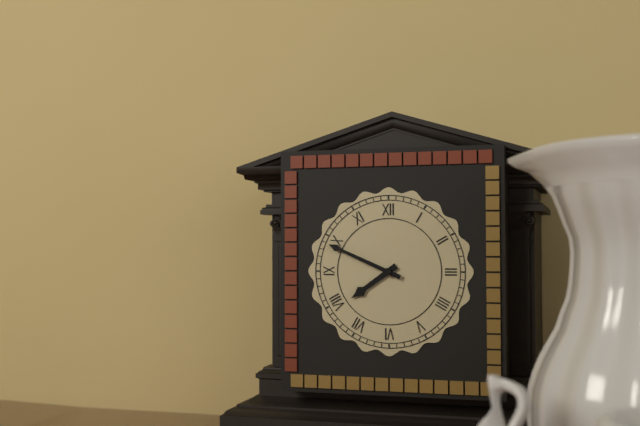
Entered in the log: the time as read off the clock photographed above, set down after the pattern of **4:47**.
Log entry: **7:49**
